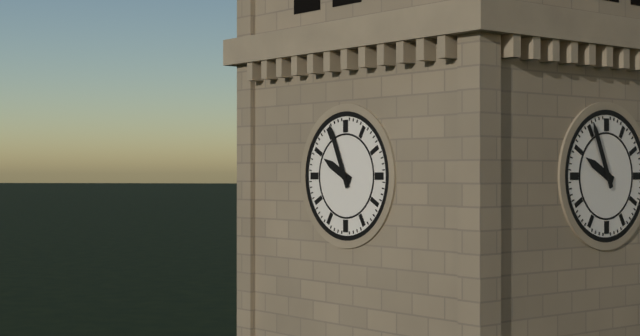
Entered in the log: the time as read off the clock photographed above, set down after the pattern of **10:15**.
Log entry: **9:56**
